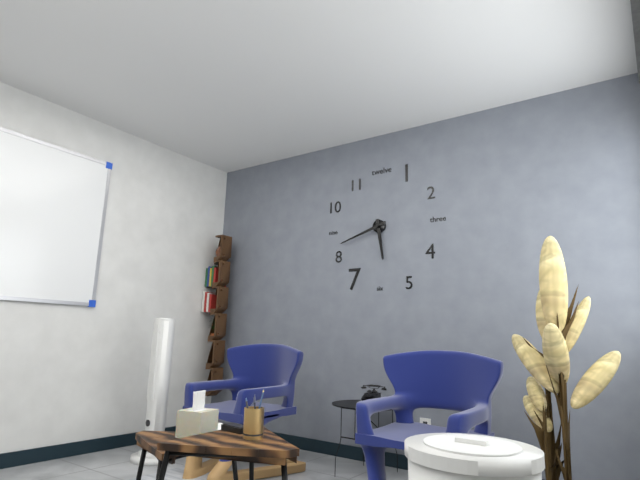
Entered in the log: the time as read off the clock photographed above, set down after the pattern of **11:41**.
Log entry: **5:42**
